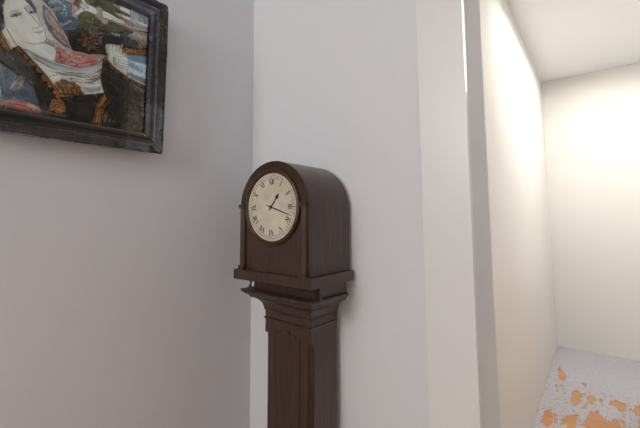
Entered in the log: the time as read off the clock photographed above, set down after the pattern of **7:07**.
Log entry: **1:18**
